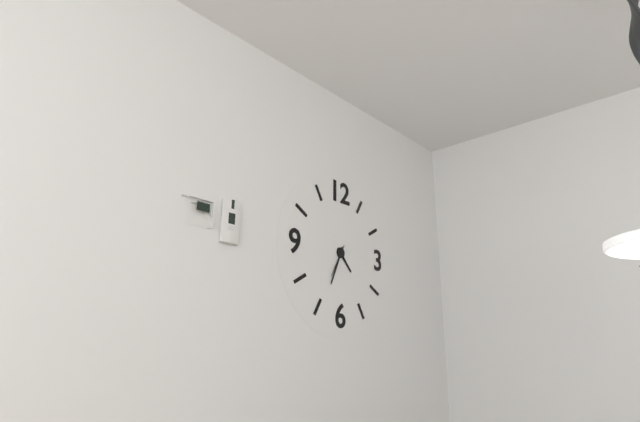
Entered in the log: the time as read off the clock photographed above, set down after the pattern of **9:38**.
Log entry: **4:34**
